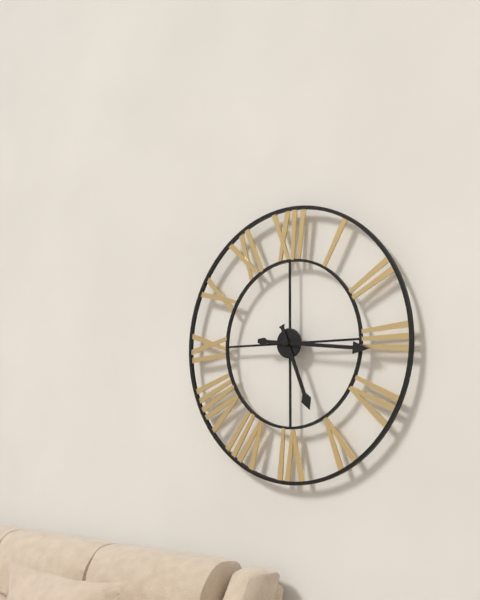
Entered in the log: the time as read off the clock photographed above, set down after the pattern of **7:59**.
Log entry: **5:16**
